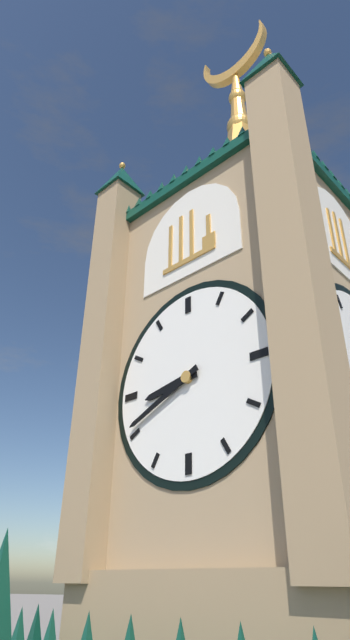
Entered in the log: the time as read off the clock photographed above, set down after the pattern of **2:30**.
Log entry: **8:41**
